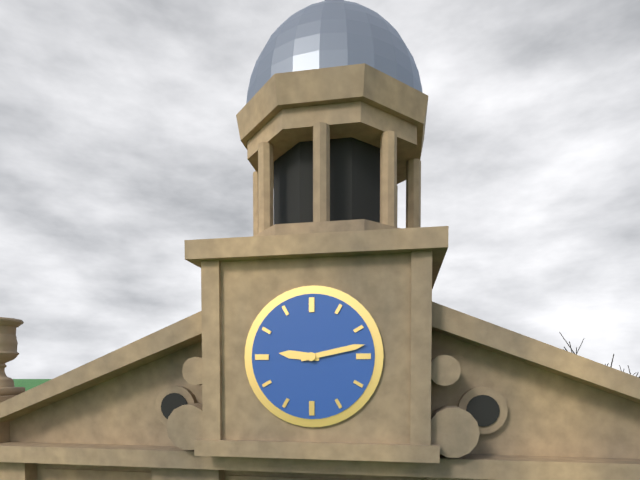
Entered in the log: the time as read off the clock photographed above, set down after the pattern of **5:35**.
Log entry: **9:13**
